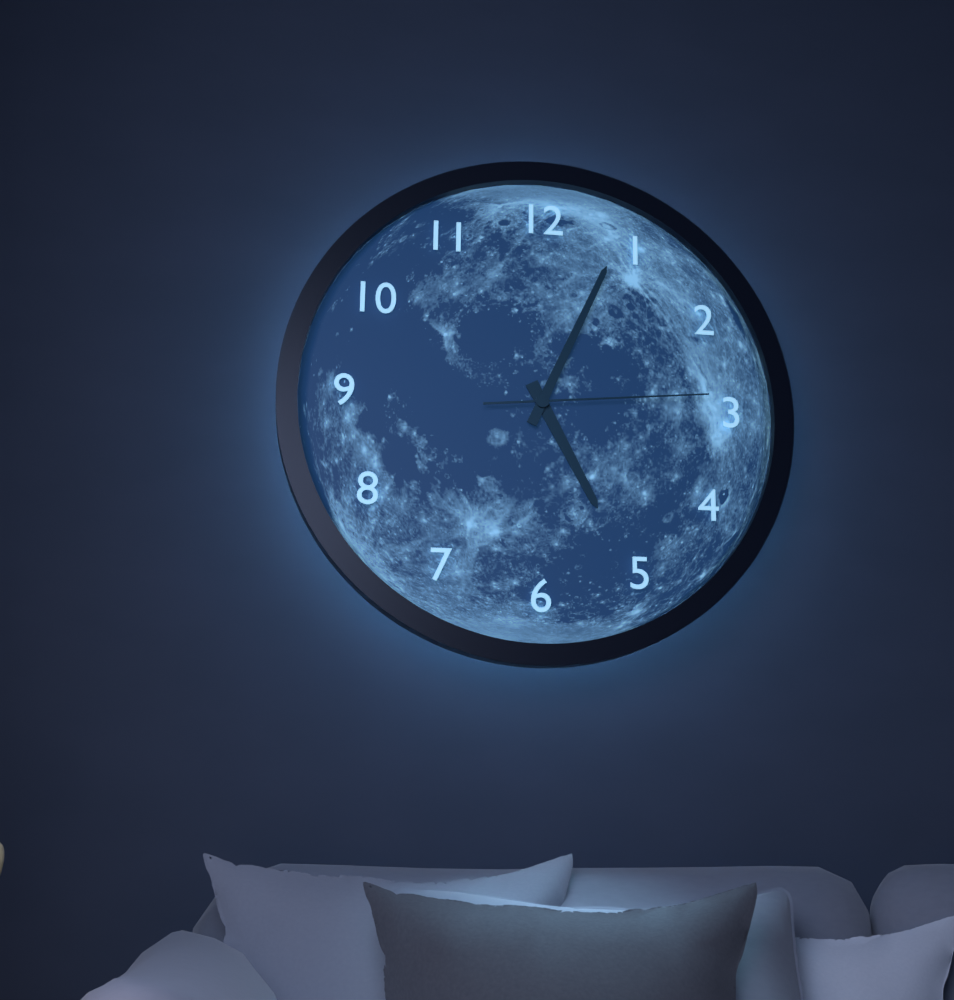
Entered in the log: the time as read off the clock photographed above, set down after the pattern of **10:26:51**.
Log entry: **5:04:14**
